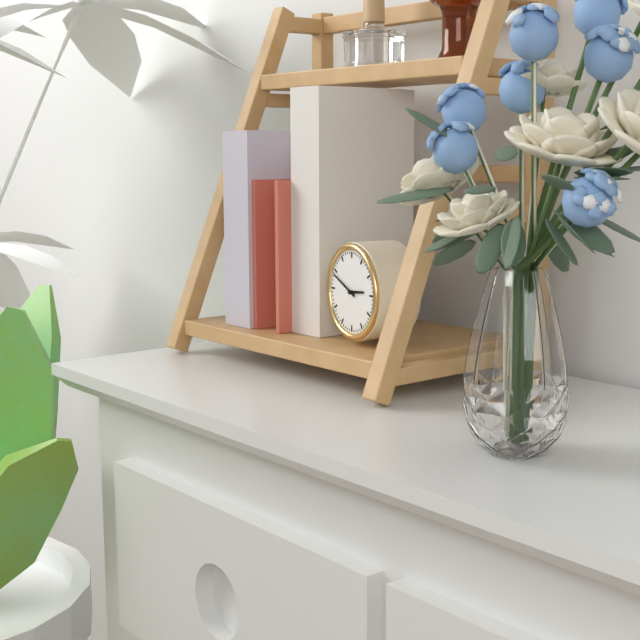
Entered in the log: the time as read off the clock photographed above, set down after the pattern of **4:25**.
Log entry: **2:49**
